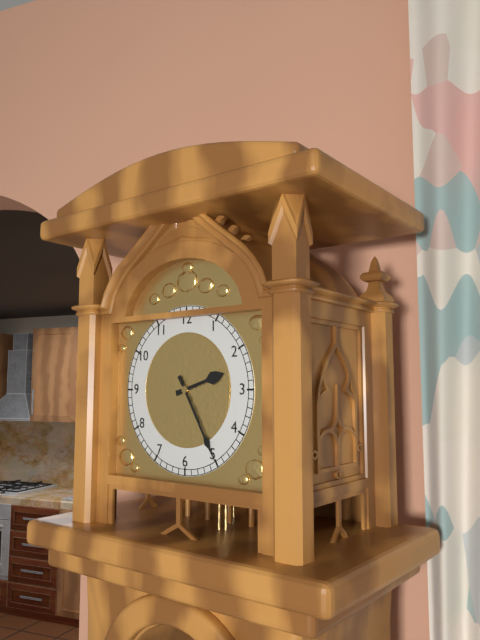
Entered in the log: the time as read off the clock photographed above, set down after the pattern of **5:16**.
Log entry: **2:25**
